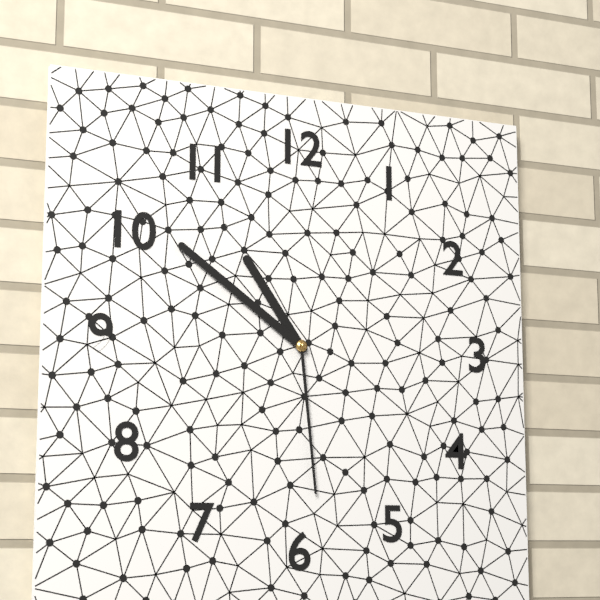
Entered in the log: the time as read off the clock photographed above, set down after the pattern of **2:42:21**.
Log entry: **10:51:29**
